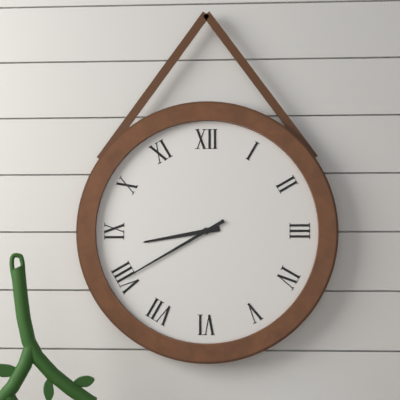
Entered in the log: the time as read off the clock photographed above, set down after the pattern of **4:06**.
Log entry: **8:40**
